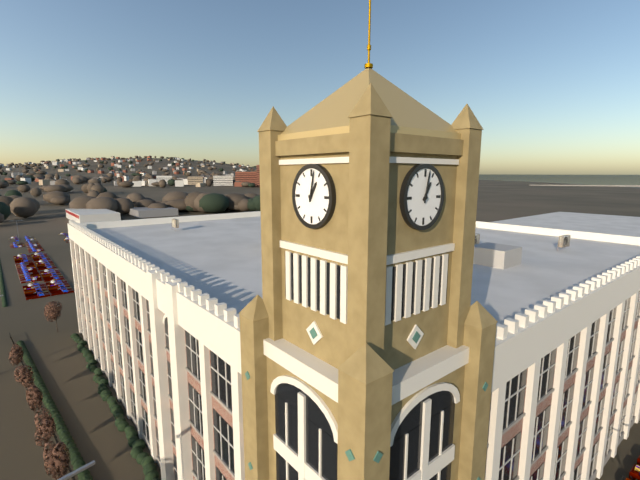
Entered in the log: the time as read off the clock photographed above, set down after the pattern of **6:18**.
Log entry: **1:02**
